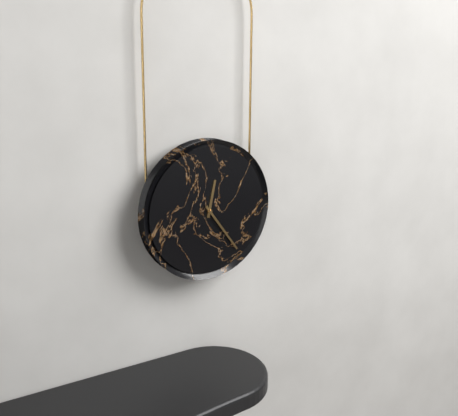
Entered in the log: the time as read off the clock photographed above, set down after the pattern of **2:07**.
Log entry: **12:24**
